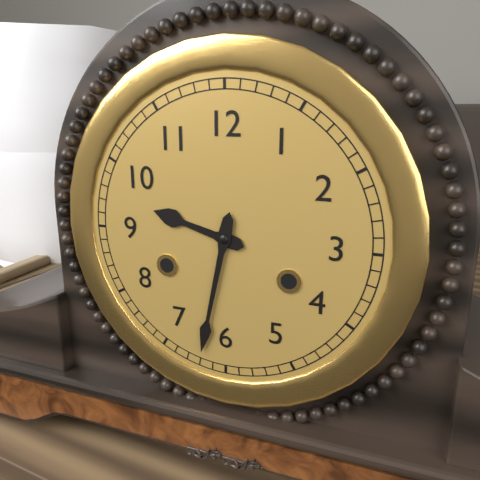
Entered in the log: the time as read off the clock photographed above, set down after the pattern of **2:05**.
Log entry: **9:32**
